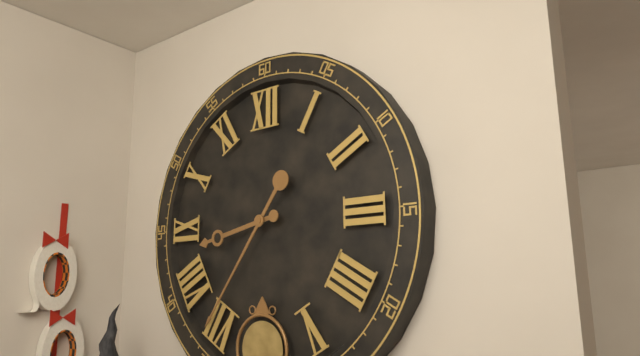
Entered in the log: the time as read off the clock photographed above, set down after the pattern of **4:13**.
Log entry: **8:36**
